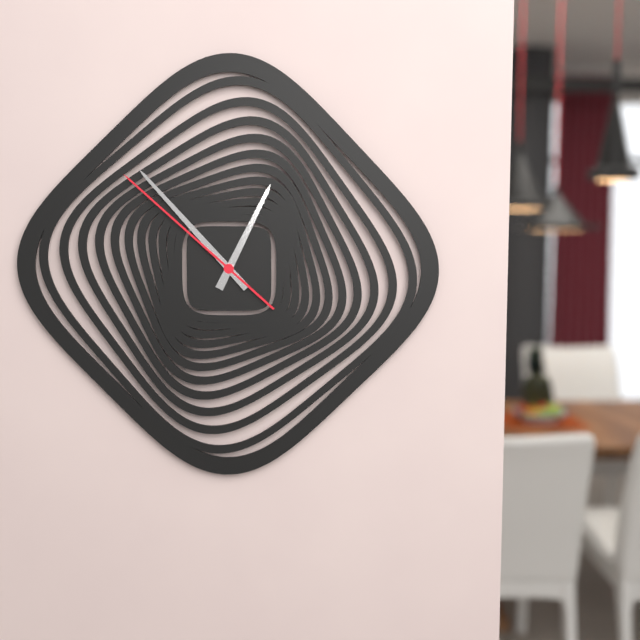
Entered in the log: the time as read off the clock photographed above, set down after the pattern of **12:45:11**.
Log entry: **12:53:52**
